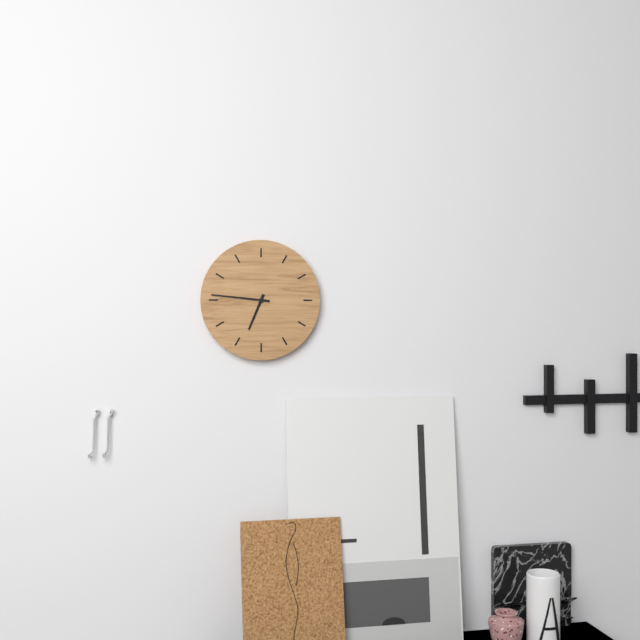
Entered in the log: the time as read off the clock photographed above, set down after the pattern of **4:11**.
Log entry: **6:46**
